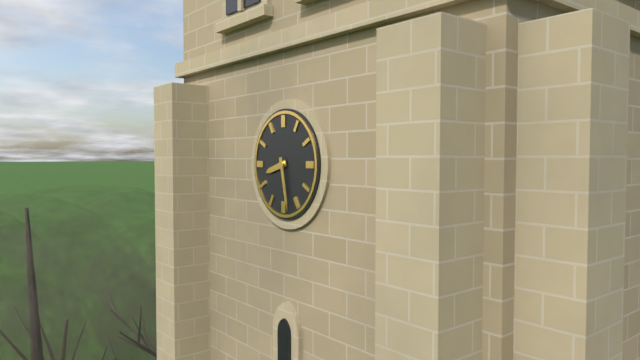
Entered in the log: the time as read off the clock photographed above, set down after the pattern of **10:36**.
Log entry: **8:28**
